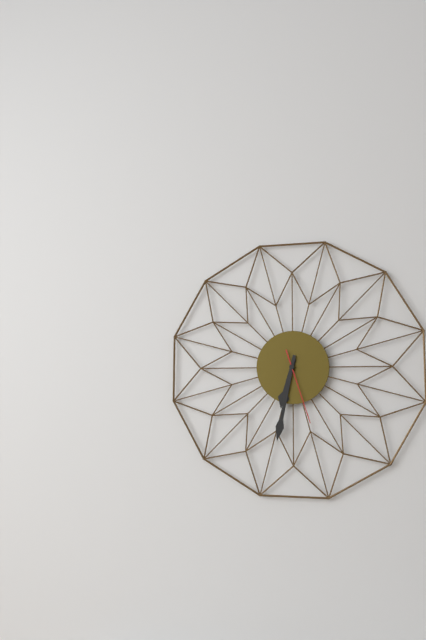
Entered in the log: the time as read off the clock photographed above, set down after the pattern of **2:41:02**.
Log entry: **6:32:27**
